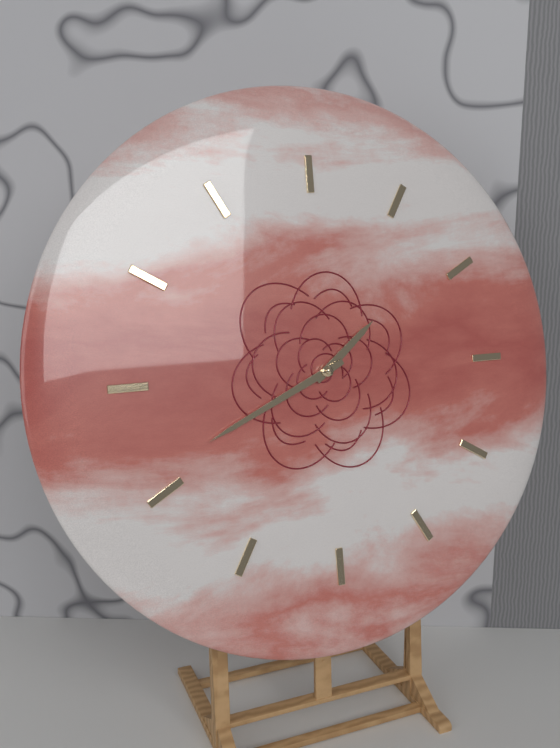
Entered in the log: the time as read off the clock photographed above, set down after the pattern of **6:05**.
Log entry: **1:41**
